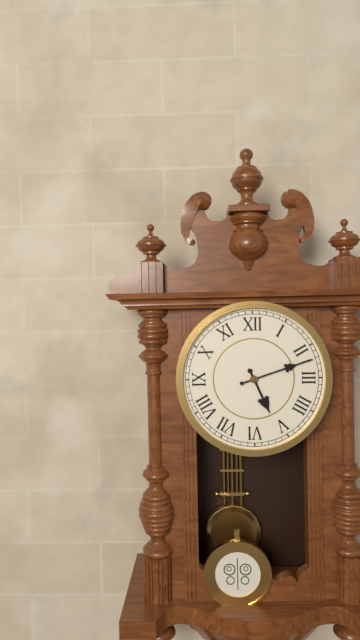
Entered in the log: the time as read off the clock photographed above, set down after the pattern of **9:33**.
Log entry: **5:12**
